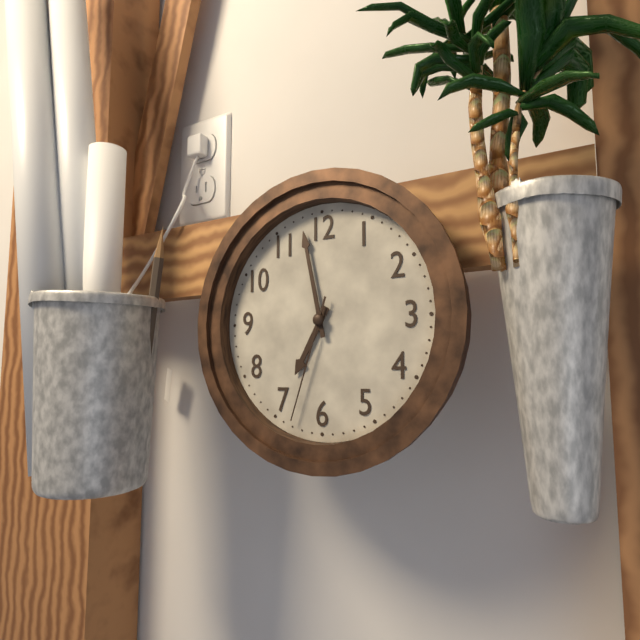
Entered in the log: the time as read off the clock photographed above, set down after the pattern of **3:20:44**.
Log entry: **6:58:33**
